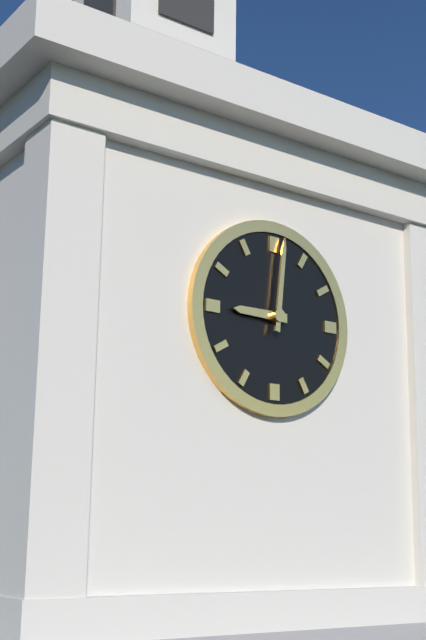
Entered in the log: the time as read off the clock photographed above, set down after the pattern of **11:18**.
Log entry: **9:01**
